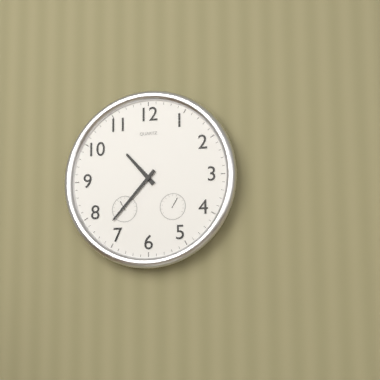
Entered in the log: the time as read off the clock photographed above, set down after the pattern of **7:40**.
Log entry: **10:37**
